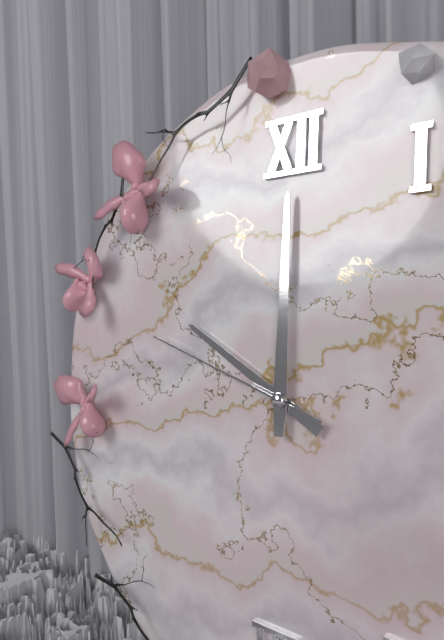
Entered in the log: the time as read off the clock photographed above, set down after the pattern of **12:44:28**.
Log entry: **10:00:48**
